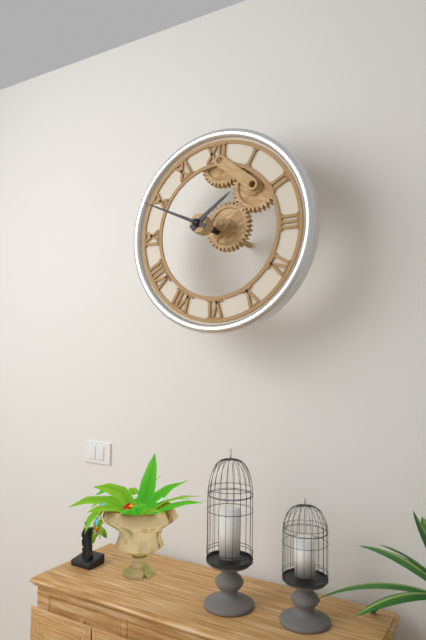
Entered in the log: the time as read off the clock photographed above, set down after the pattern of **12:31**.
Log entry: **1:49**
